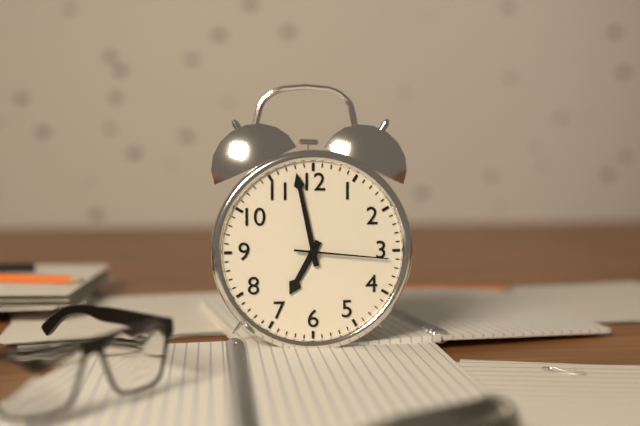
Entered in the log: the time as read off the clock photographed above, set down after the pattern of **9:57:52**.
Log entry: **6:58:16**
